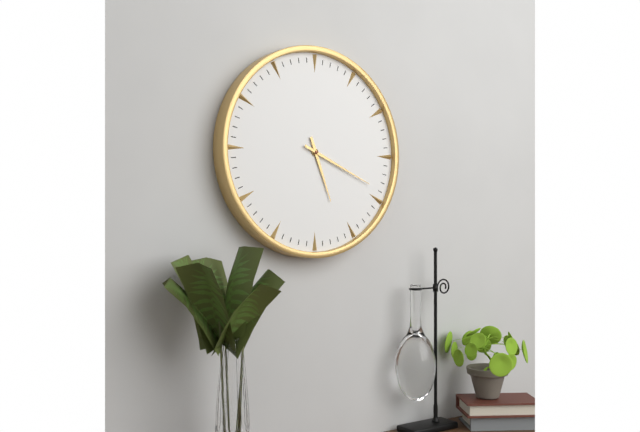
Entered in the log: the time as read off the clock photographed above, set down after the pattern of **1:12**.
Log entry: **5:19**
